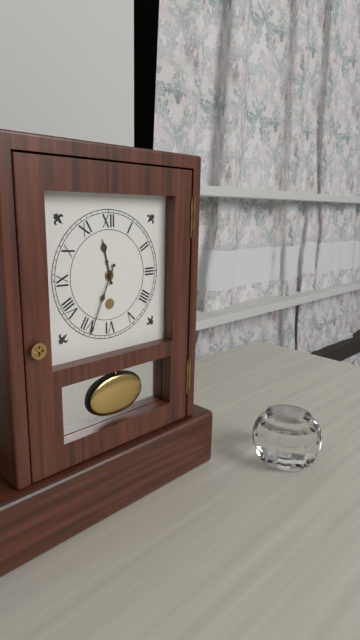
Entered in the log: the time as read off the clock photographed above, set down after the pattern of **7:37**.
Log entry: **11:34**
